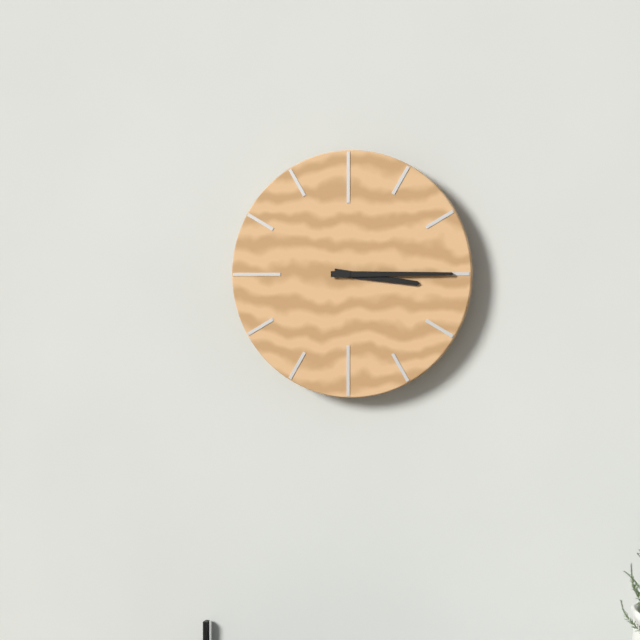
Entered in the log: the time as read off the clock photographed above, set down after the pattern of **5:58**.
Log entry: **3:15**
